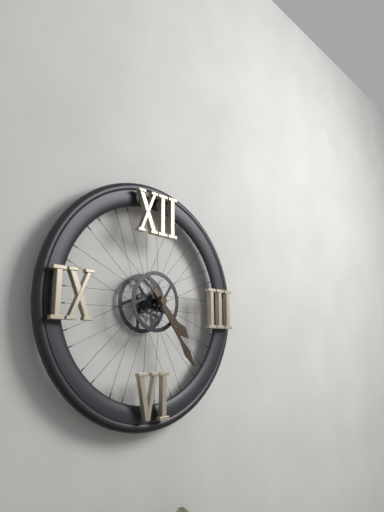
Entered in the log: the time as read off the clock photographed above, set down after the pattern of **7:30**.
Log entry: **4:24**
